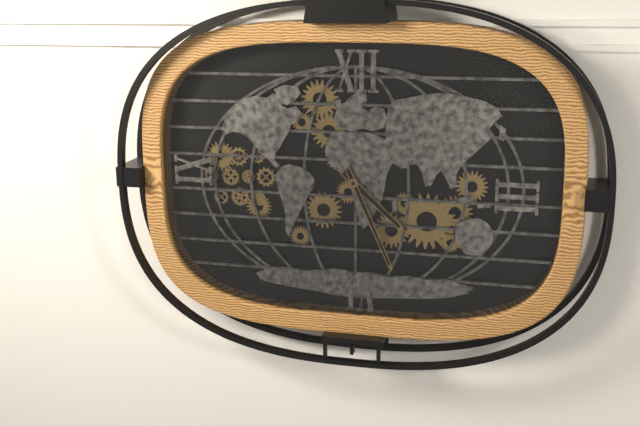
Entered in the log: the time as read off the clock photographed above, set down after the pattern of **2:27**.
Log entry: **4:26**
